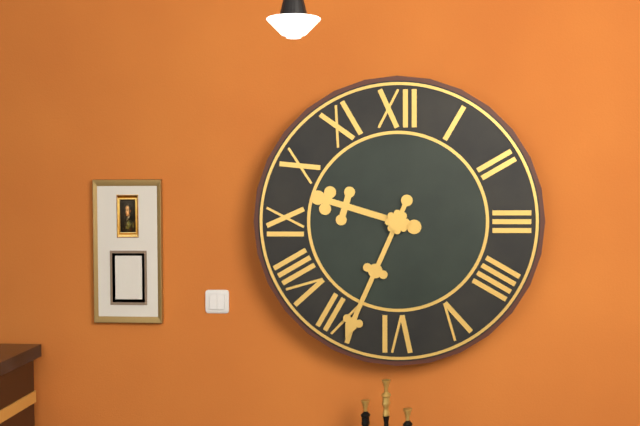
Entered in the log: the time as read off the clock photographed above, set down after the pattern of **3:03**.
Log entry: **9:34**
